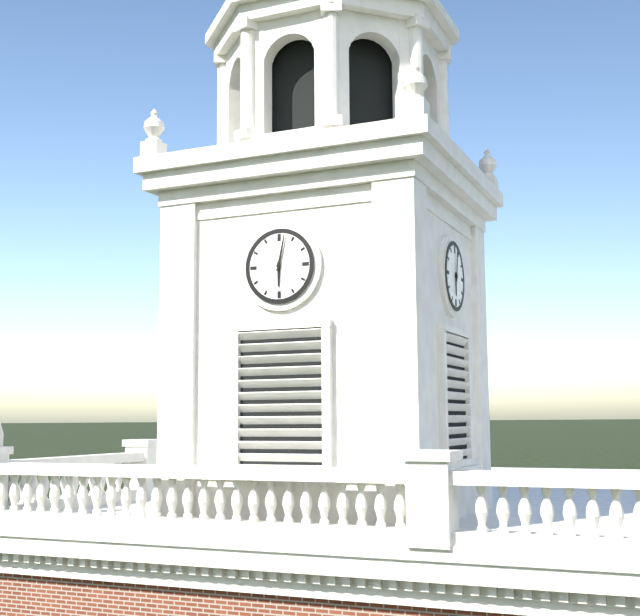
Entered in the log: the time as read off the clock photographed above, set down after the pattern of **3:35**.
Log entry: **6:02**
